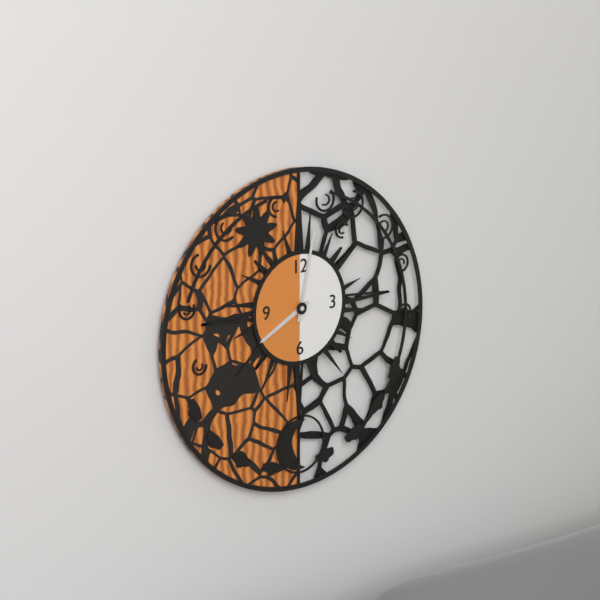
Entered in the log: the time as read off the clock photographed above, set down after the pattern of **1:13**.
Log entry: **8:02**
